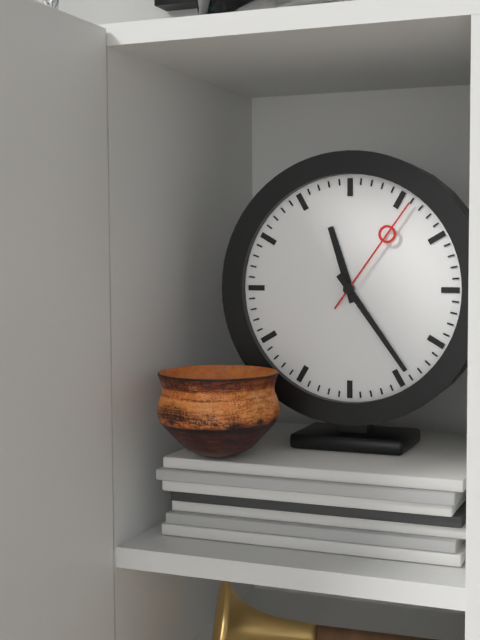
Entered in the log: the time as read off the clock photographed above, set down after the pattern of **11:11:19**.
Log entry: **11:24:06**
